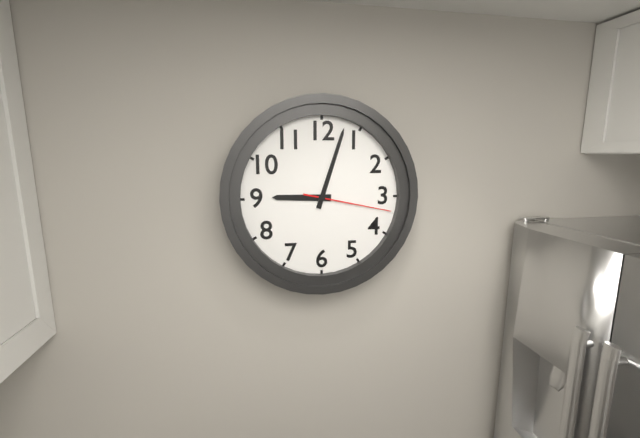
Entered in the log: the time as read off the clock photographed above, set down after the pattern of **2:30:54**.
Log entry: **9:03:17**
